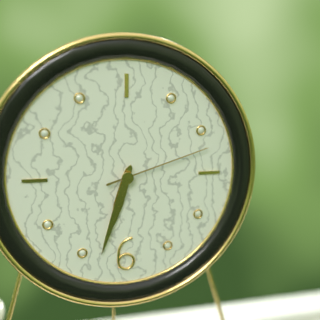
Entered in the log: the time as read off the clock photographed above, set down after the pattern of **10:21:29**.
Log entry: **6:33:12**
